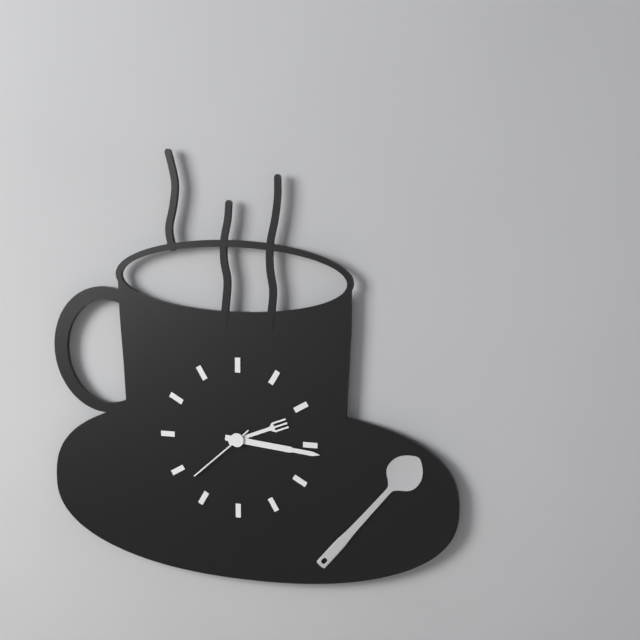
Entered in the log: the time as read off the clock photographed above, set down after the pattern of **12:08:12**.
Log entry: **2:16:38**
